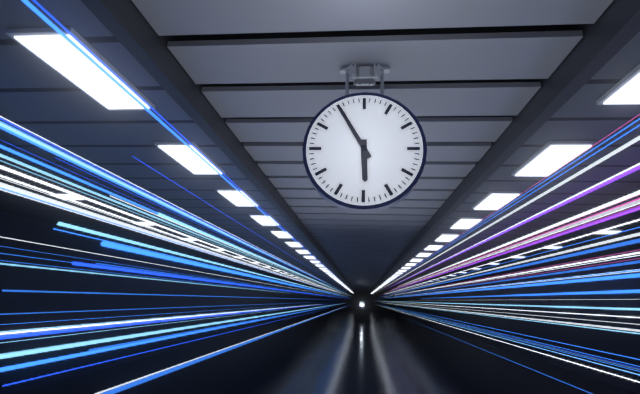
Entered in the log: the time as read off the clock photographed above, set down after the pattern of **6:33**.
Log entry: **5:55**
